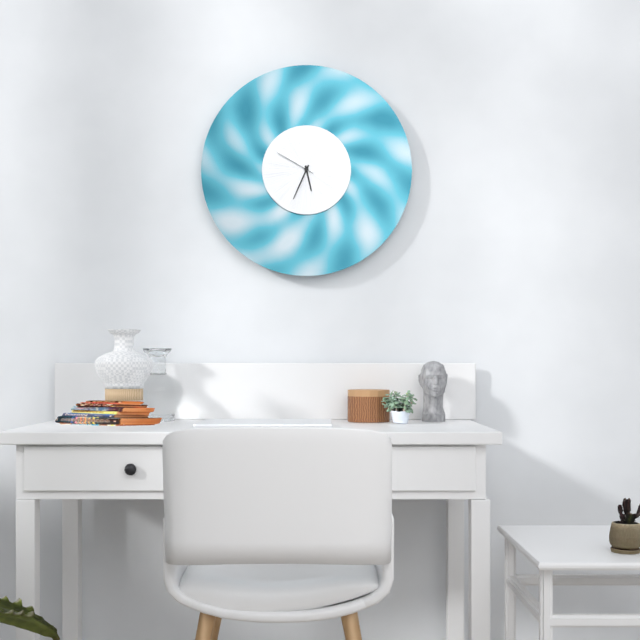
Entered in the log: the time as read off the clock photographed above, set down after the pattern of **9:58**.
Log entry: **5:34**
